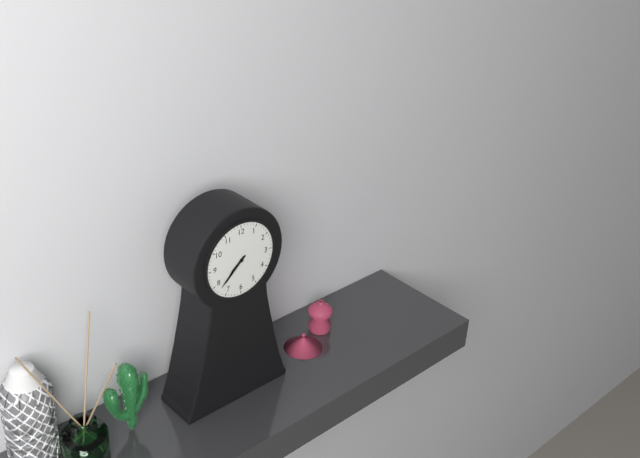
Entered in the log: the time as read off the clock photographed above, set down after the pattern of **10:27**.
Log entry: **7:38**
